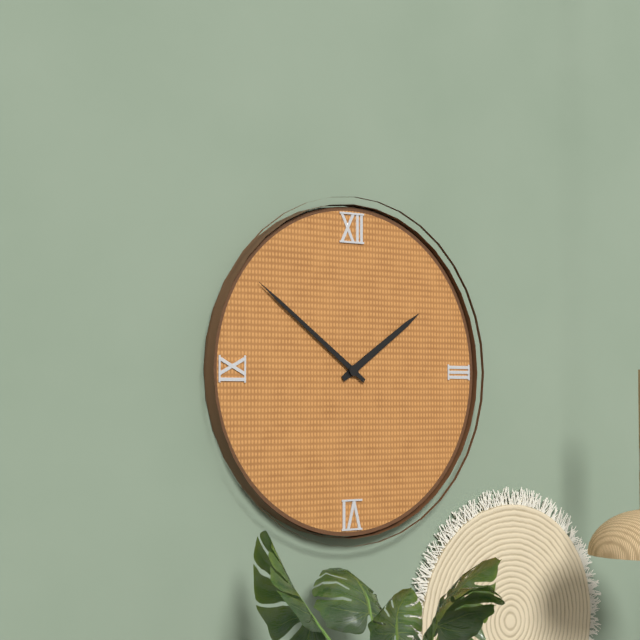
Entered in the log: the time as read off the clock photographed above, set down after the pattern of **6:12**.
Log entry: **1:51**
